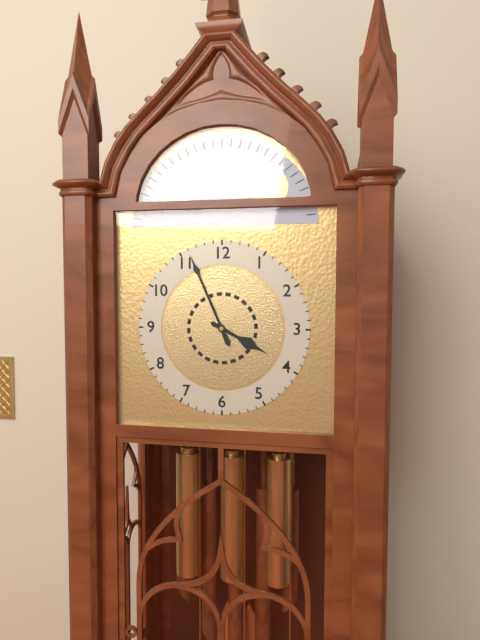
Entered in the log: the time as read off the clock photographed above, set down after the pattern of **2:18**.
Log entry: **3:56**
